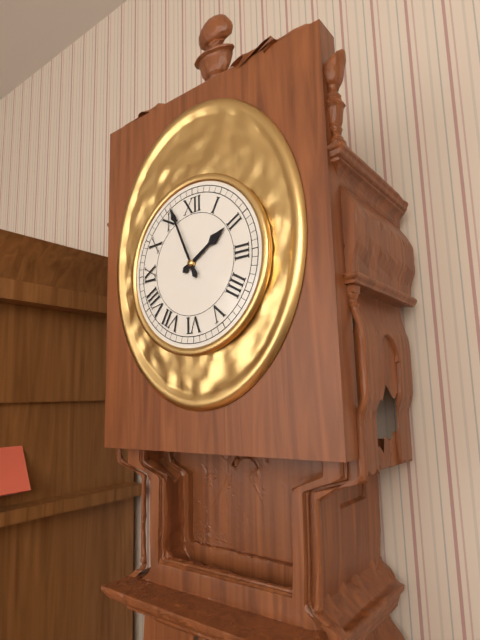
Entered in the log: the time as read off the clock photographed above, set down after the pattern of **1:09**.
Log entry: **1:56**
